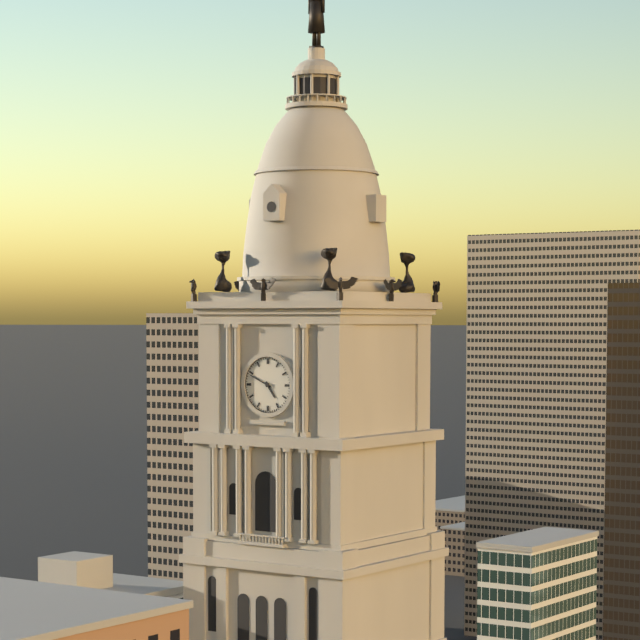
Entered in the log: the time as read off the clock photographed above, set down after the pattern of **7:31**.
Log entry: **4:49**
